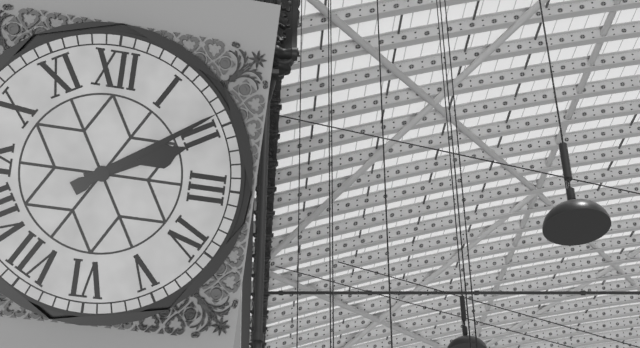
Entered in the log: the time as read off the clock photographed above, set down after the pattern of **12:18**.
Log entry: **2:09**
